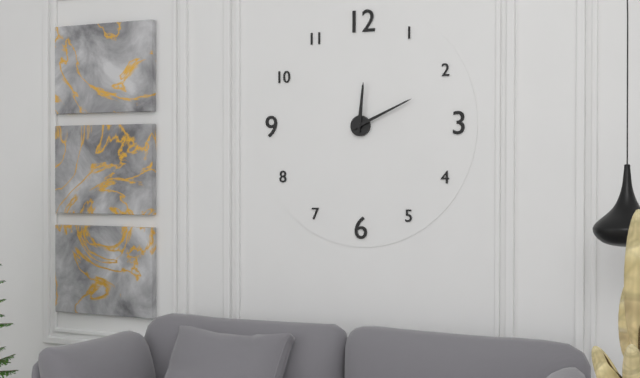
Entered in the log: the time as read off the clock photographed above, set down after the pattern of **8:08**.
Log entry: **12:11**
